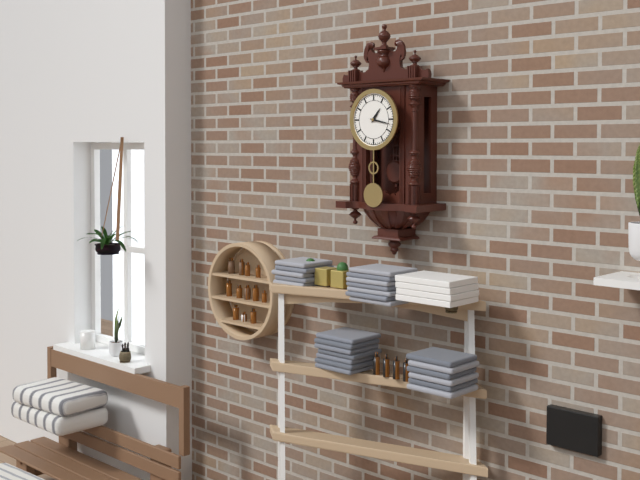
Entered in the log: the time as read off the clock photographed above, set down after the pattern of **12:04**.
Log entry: **1:17**
